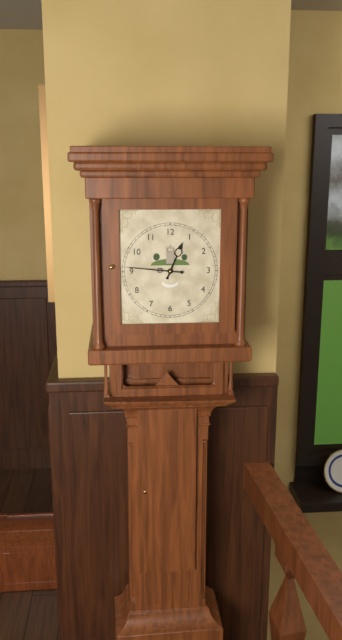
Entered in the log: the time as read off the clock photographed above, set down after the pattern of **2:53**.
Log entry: **12:46**
